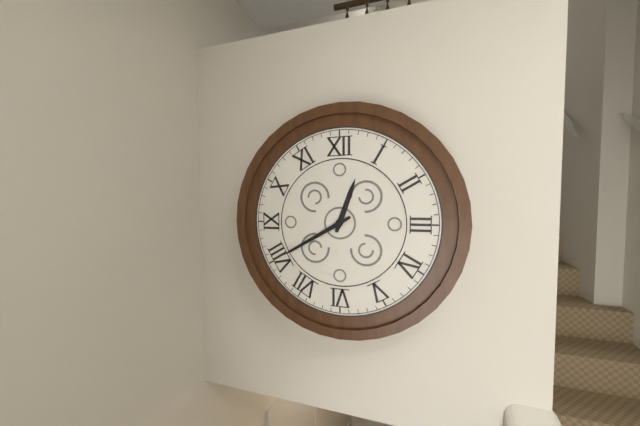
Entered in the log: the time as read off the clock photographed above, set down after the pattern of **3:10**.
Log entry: **12:40**
